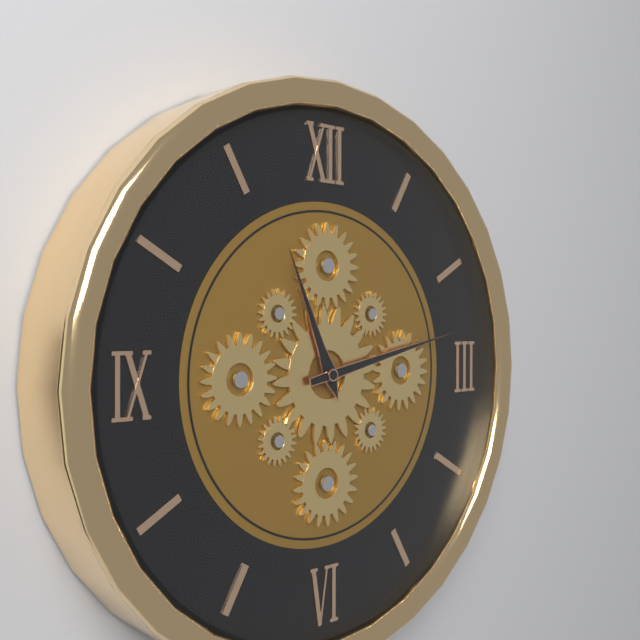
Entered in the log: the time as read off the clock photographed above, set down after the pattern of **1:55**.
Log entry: **11:13**
